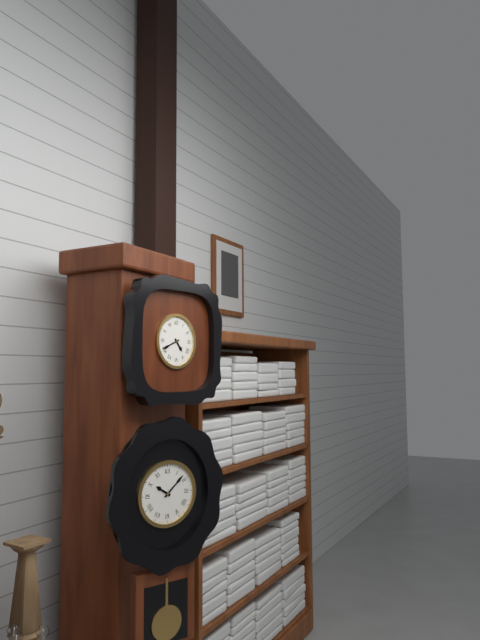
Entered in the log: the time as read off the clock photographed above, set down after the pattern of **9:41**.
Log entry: **4:41**
